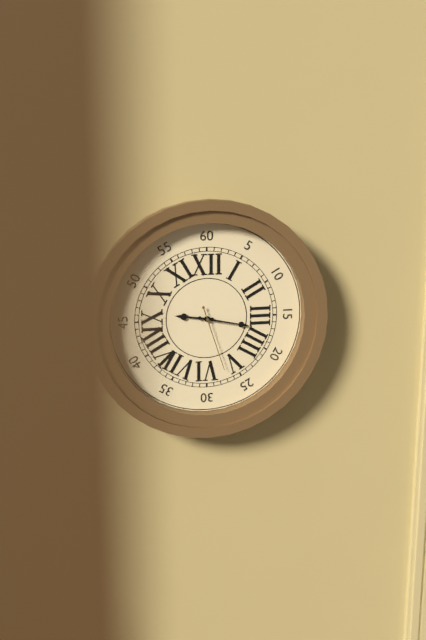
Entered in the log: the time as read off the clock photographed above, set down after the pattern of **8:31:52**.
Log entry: **9:17:27**
